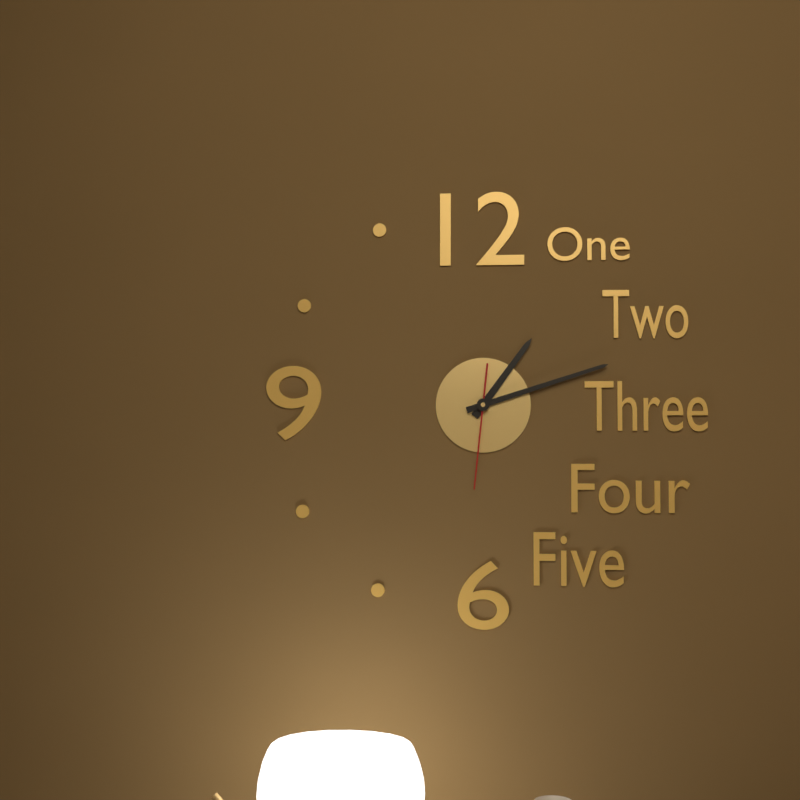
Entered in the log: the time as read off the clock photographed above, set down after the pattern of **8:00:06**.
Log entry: **1:12:31**
